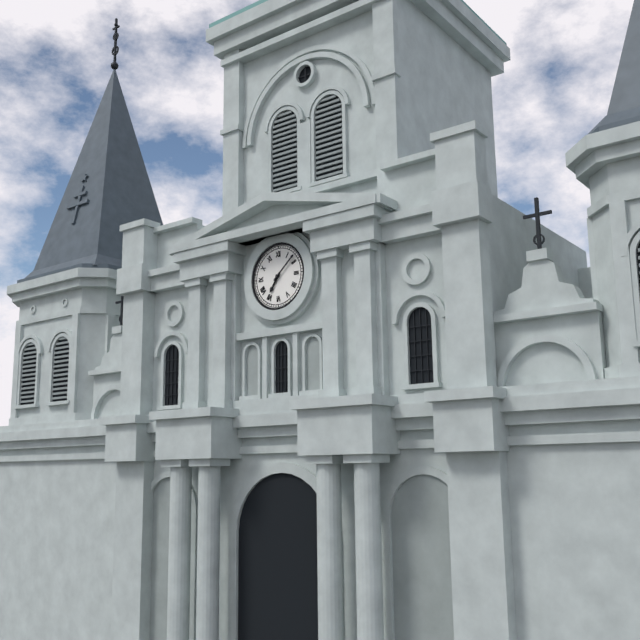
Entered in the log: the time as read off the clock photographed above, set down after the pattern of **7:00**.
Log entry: **7:08**
